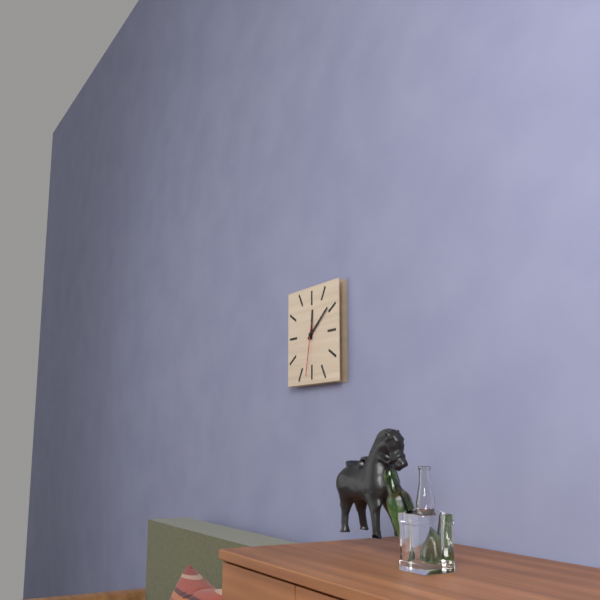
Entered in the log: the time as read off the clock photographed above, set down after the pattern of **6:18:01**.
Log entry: **12:09:32**
